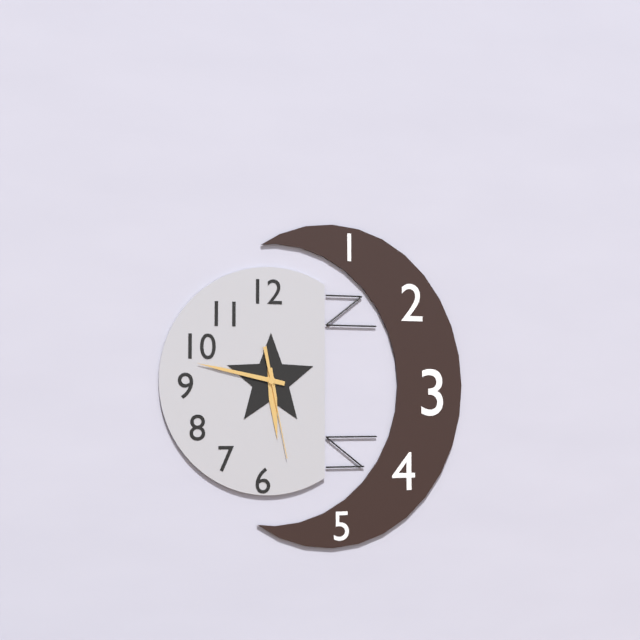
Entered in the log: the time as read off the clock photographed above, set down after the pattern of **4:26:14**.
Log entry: **5:47:28**
